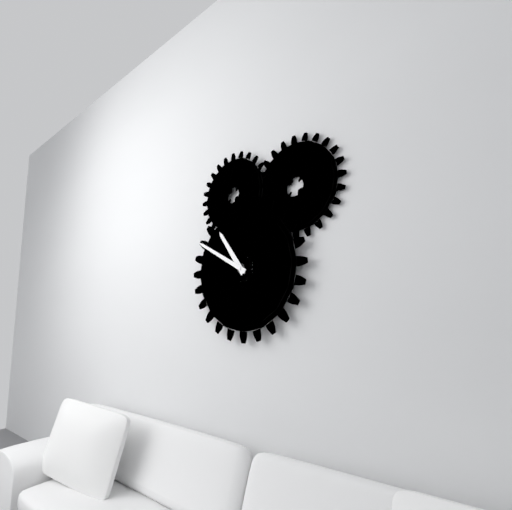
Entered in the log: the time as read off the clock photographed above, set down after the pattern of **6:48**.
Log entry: **10:50**
